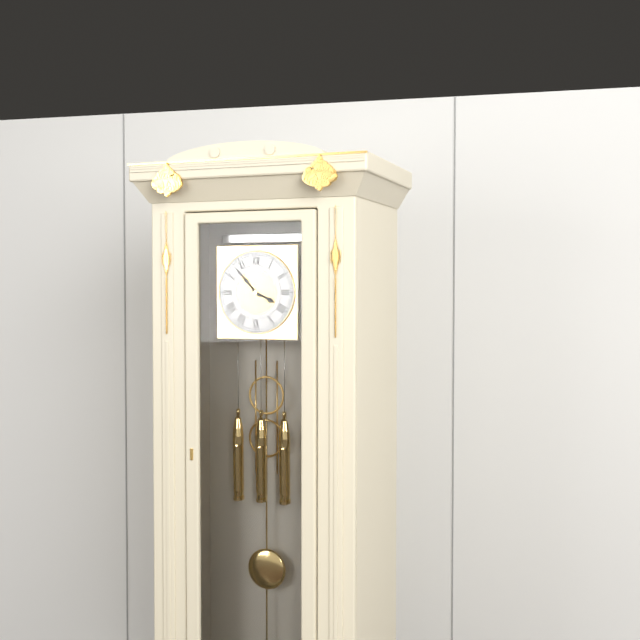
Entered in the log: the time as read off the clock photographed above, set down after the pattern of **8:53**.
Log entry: **3:53**
